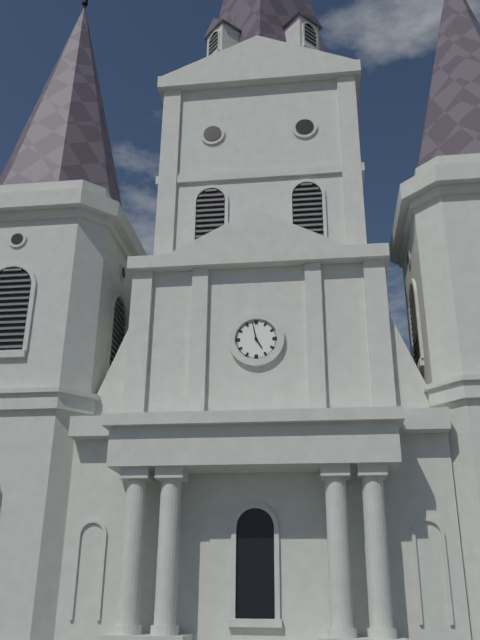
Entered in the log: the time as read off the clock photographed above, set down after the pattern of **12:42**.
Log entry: **4:58**
